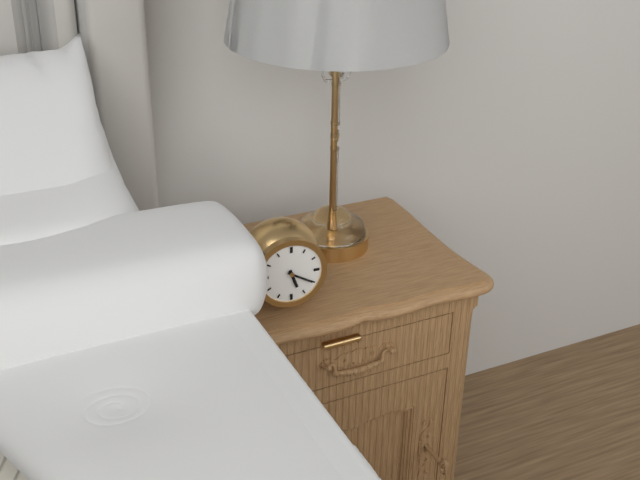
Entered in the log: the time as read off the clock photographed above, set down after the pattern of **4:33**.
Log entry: **5:20**
